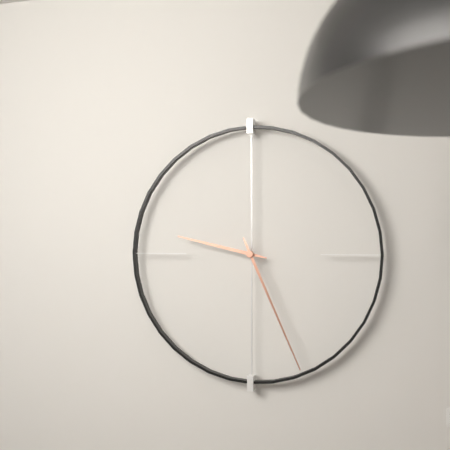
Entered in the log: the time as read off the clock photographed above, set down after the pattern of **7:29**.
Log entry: **9:26**
